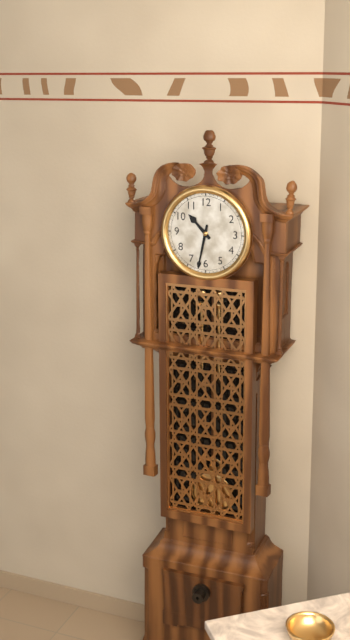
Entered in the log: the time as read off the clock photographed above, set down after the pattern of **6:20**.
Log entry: **10:32**
